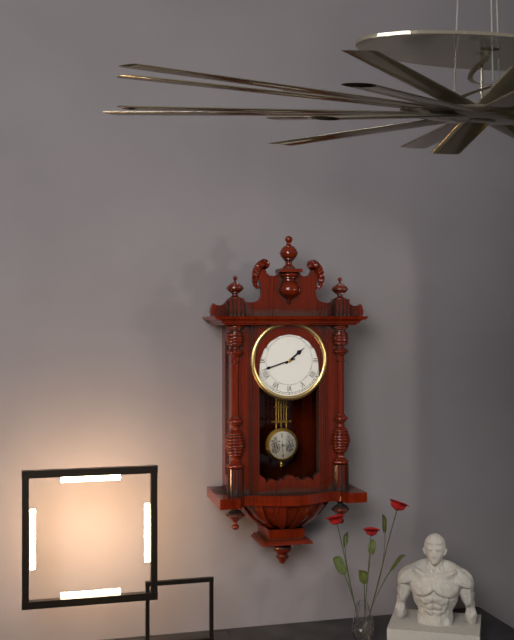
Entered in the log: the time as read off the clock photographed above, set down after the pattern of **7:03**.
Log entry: **1:42**
